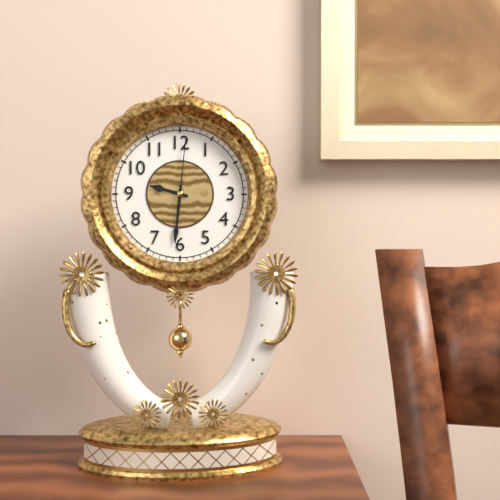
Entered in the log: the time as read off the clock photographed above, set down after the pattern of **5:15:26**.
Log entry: **9:31:01**
